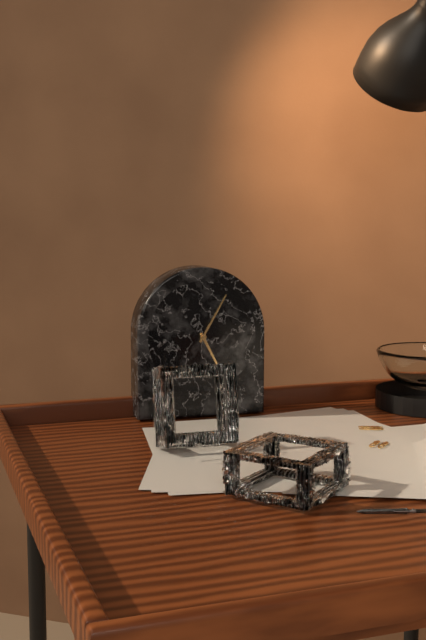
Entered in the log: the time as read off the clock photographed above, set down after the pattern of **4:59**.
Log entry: **5:05**
